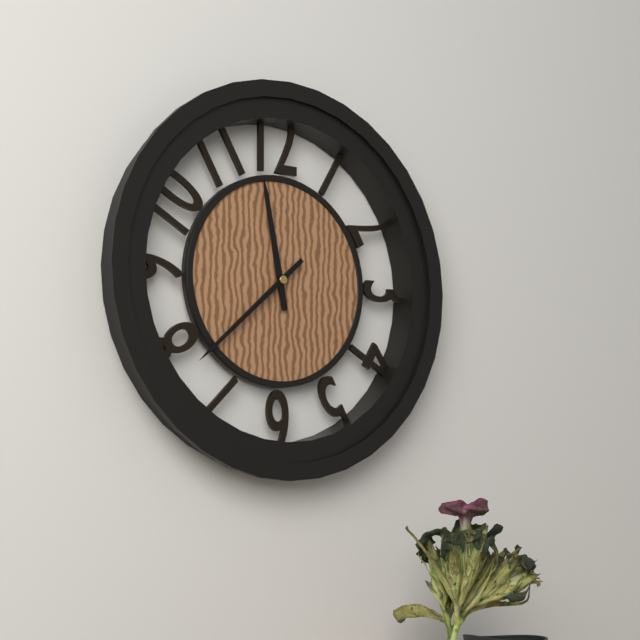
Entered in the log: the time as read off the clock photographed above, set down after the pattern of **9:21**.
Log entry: **11:38**
